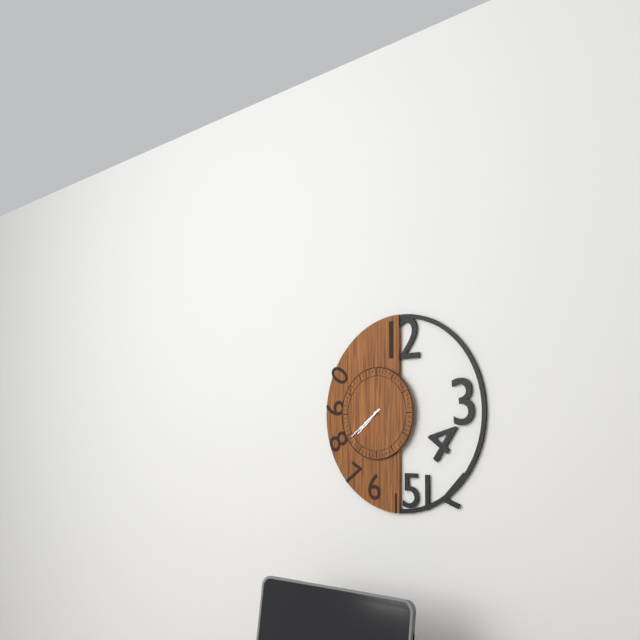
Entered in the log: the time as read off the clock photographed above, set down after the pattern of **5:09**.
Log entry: **7:39**
